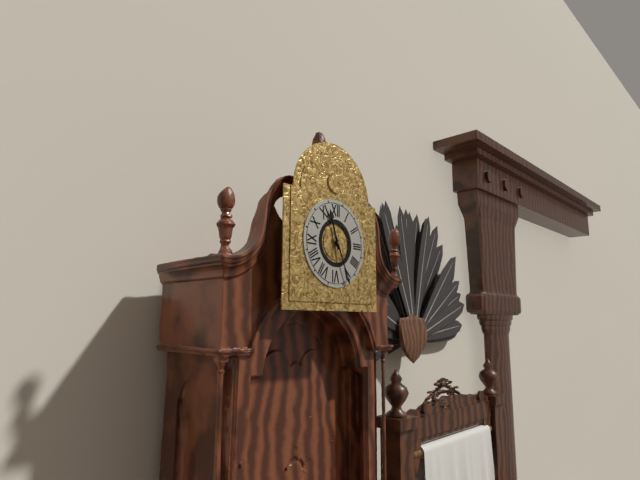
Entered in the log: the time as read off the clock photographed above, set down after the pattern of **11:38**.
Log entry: **11:26**
